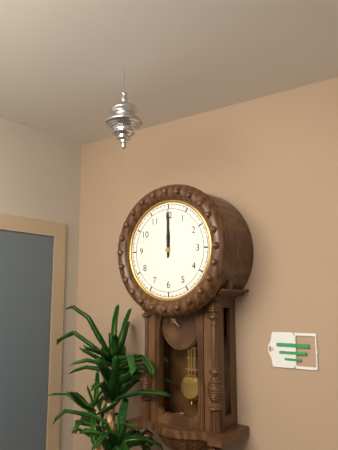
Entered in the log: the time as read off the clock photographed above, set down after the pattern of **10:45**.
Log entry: **12:00**
